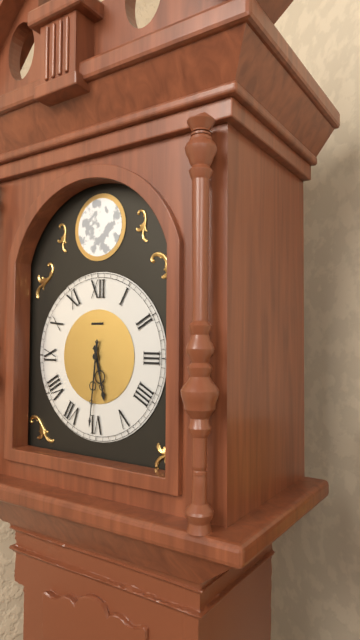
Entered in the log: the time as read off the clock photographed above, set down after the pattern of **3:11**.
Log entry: **5:31**
